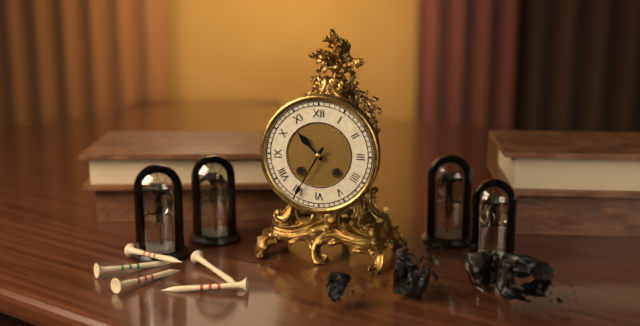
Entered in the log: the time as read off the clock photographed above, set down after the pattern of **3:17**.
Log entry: **10:35**
